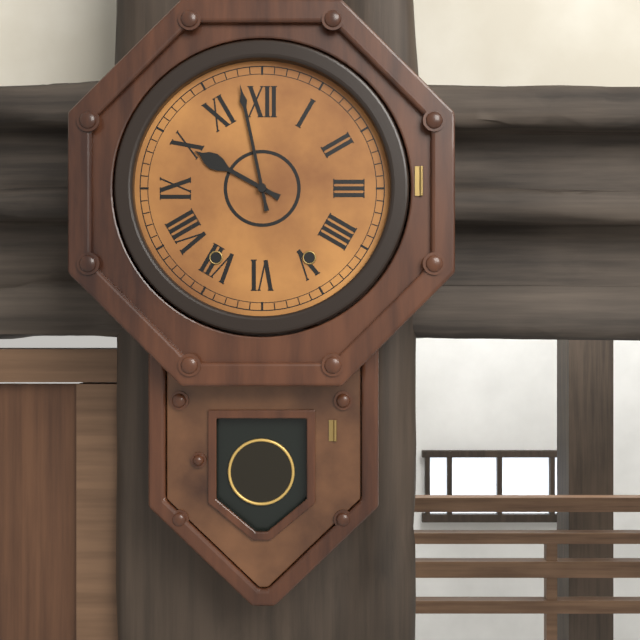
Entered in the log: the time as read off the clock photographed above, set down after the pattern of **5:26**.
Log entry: **9:58**
